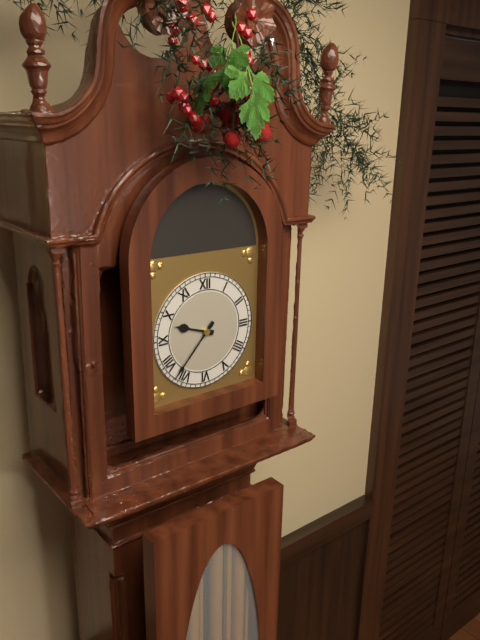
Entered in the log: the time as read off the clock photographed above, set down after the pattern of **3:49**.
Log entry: **9:37**
